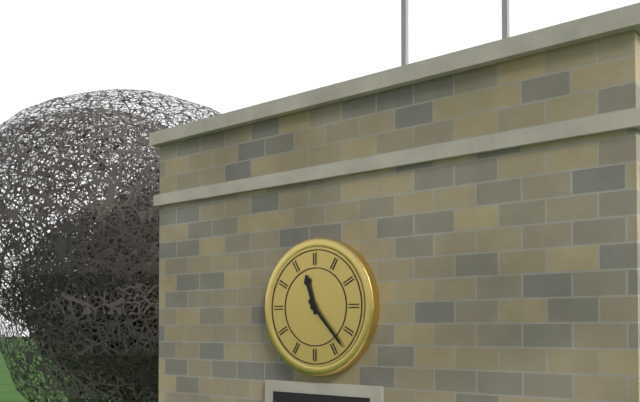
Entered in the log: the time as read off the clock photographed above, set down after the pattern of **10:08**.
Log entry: **11:23**
